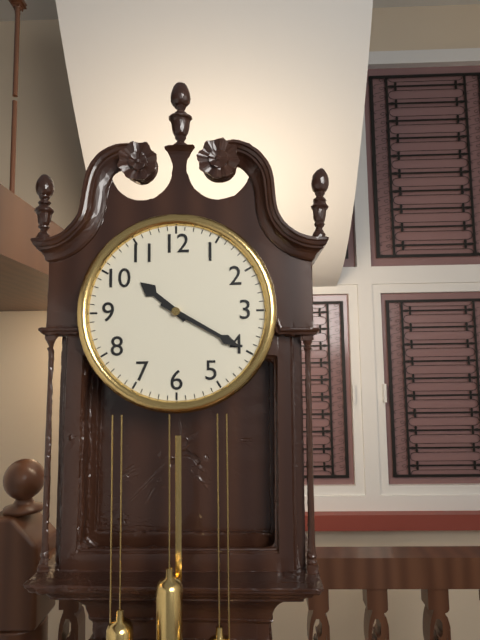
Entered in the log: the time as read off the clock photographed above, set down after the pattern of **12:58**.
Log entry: **10:20**
